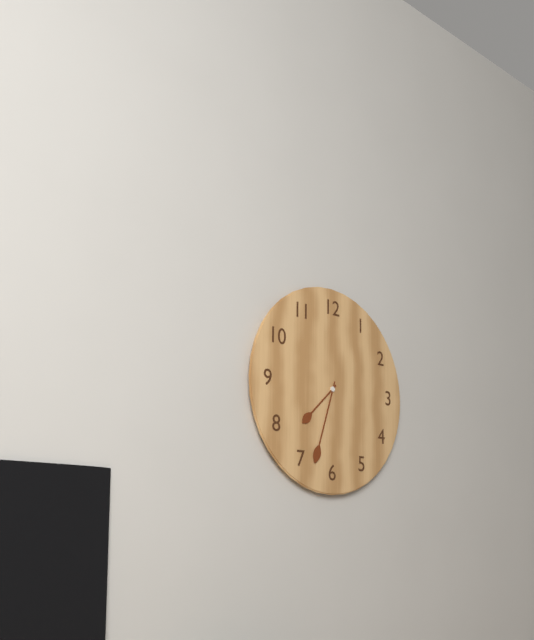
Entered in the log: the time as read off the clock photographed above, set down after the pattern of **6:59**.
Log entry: **7:33**
